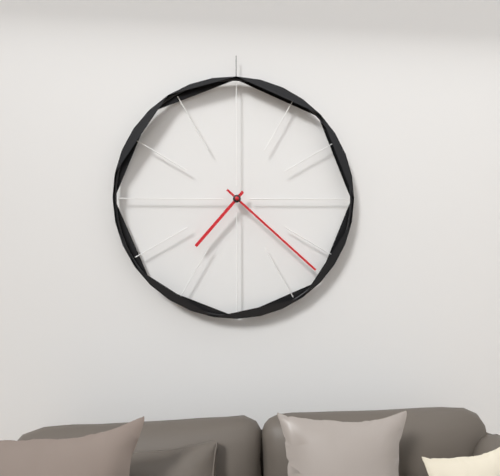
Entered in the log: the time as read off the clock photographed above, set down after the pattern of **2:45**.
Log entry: **7:22**
